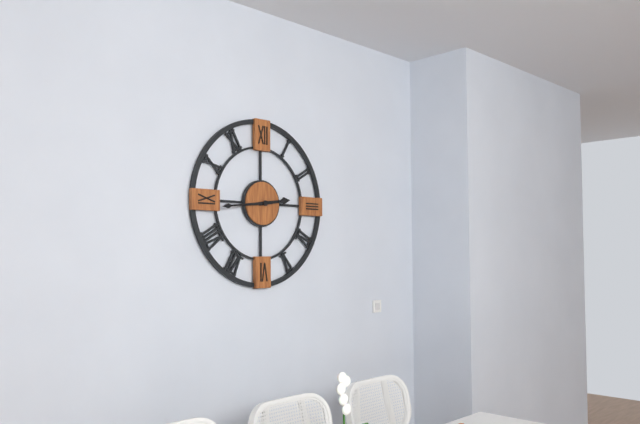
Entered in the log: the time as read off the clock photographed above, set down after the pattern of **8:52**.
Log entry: **2:44**
